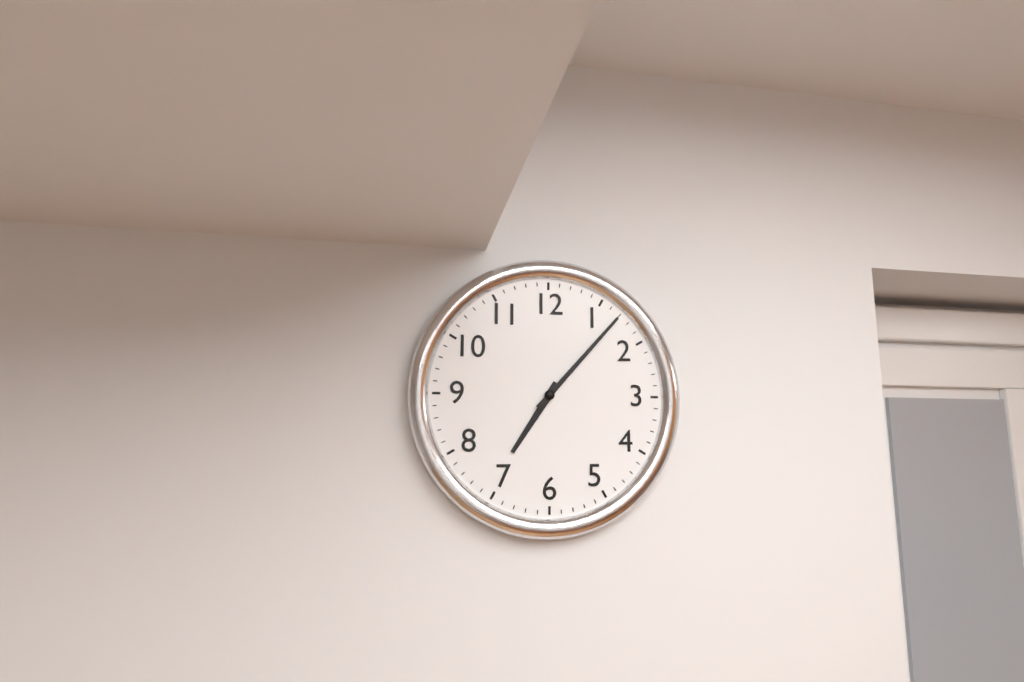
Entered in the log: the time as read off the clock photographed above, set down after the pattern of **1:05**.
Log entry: **7:07**
